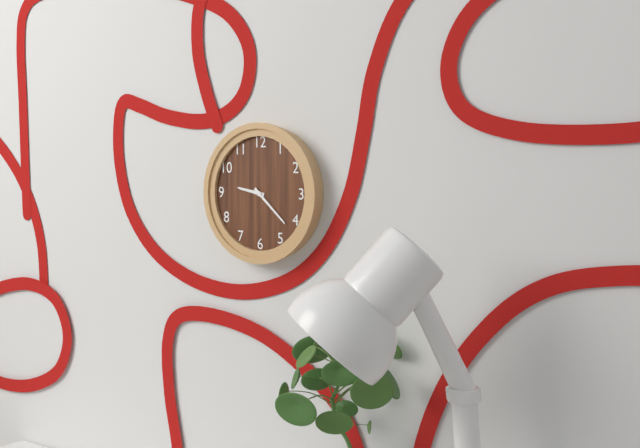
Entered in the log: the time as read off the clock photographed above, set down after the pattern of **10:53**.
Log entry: **9:22**
